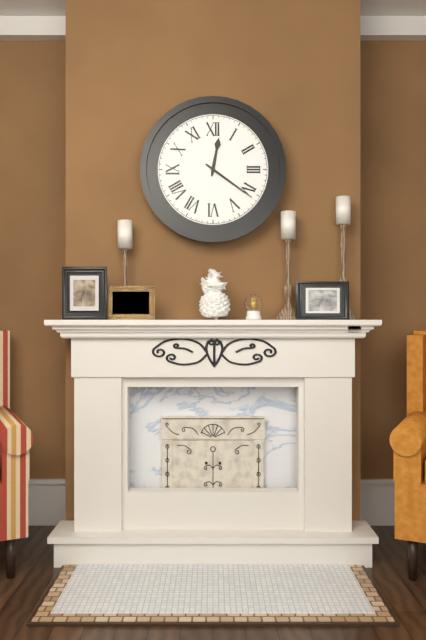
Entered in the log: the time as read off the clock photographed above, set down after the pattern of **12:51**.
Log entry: **12:21**
